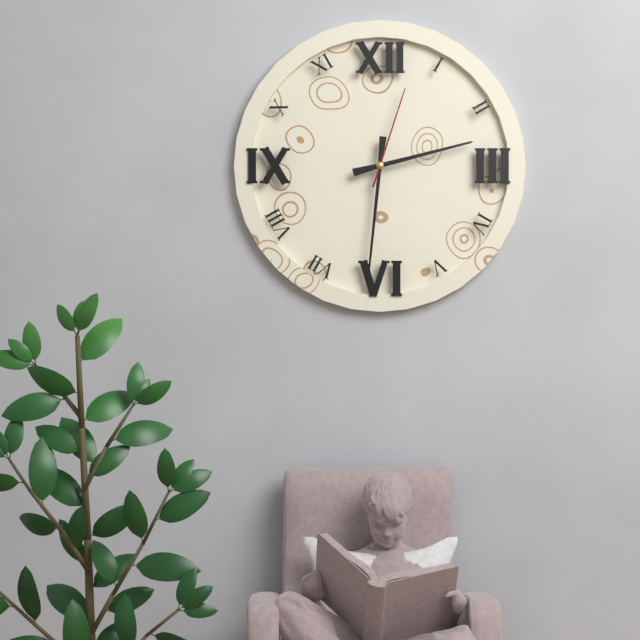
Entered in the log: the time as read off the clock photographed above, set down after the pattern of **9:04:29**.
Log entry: **2:31:03**
